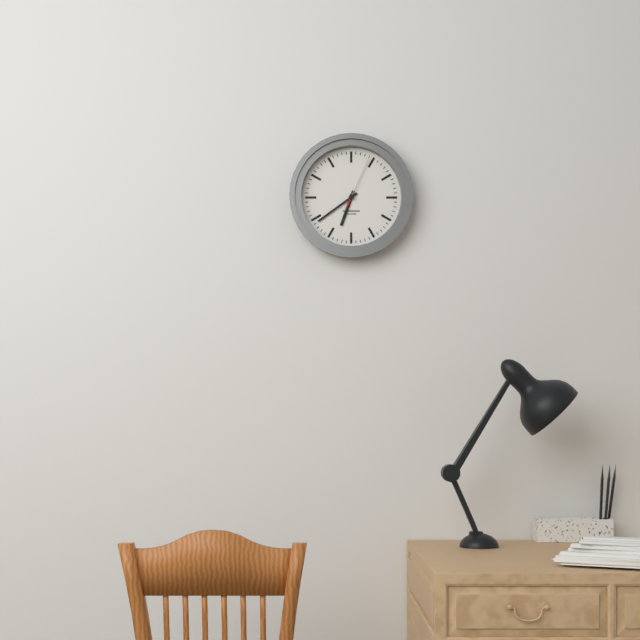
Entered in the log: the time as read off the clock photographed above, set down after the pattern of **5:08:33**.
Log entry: **6:39:04**
